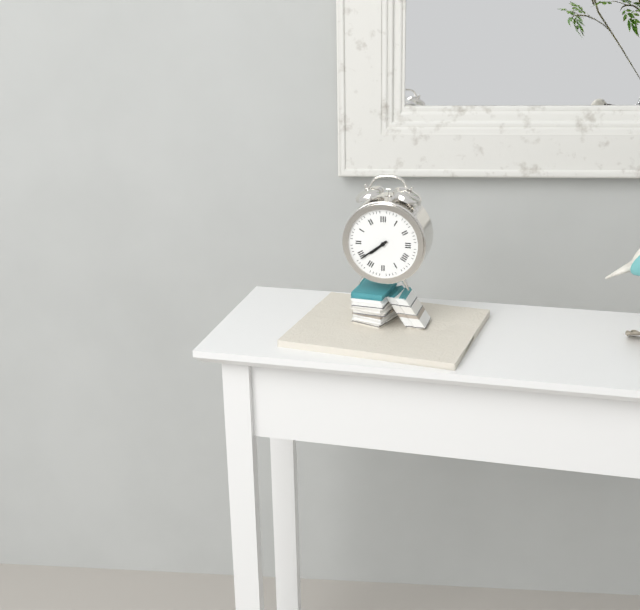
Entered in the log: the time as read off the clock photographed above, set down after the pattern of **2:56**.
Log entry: **7:39**
